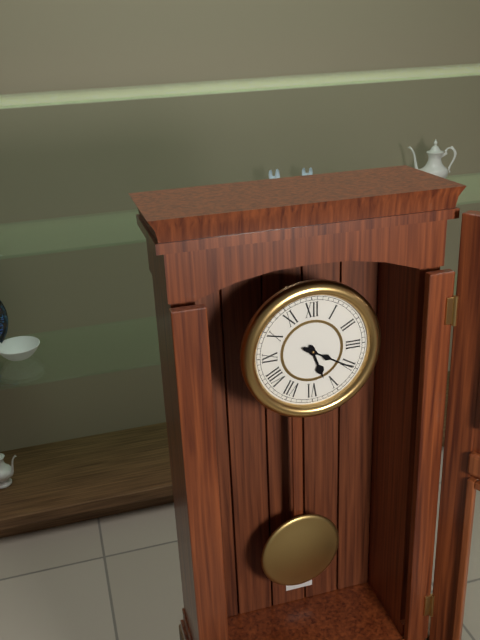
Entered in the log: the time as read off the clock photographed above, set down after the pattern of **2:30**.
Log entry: **5:20**
